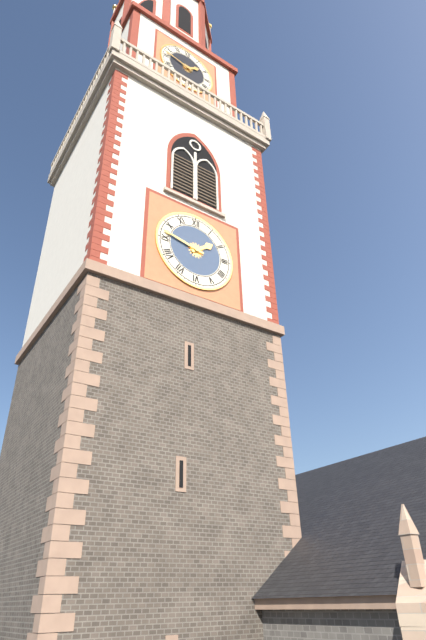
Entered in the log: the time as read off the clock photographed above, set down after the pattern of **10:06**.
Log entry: **1:47**
